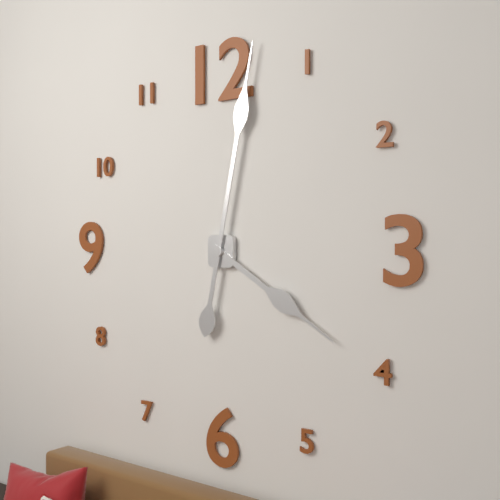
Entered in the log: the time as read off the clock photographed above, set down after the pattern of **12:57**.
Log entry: **4:02**
